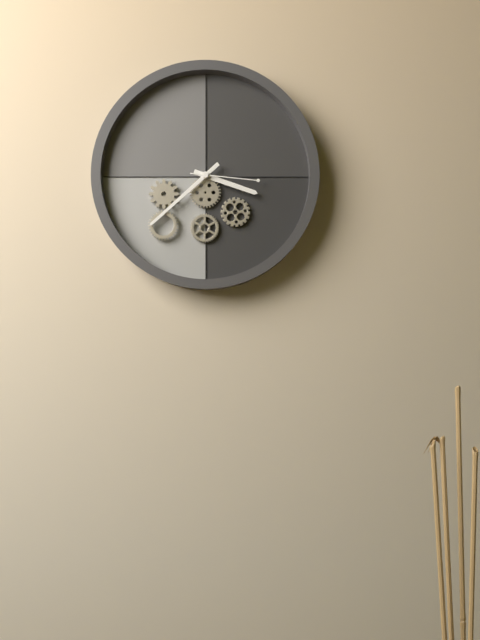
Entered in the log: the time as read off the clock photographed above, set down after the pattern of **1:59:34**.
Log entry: **3:38:16**
